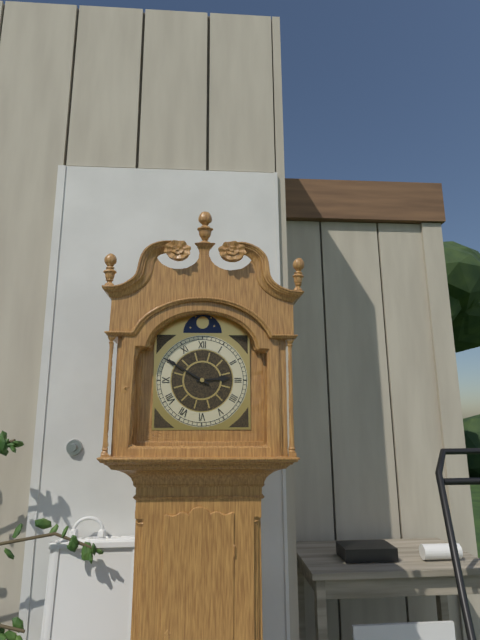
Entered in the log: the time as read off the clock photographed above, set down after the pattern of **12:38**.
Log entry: **2:50**
